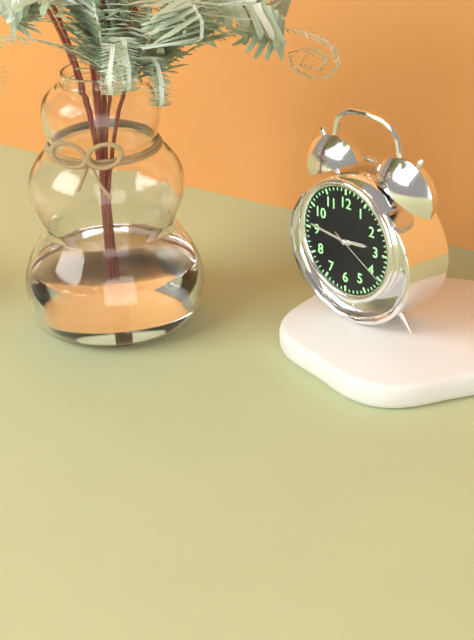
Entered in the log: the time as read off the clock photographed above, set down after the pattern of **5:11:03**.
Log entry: **2:46:20**
